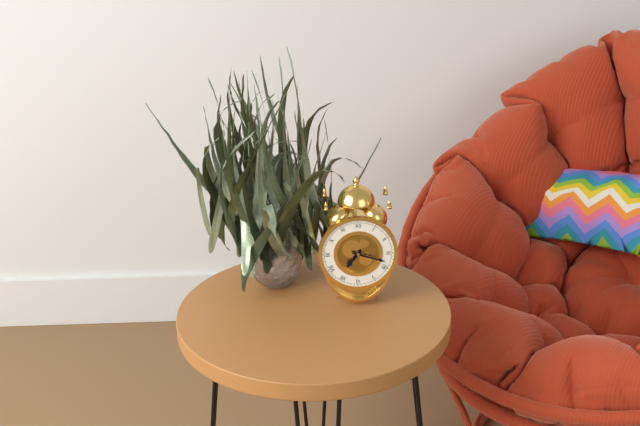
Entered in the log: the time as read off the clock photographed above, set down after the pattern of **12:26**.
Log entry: **7:18**
